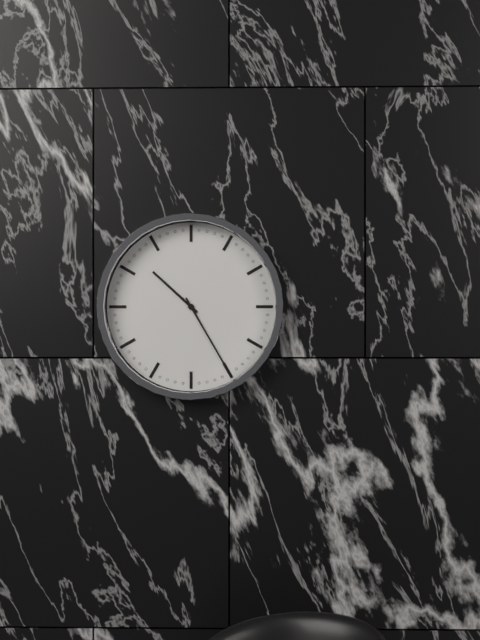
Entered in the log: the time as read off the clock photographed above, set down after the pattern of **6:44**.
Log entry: **10:25**
